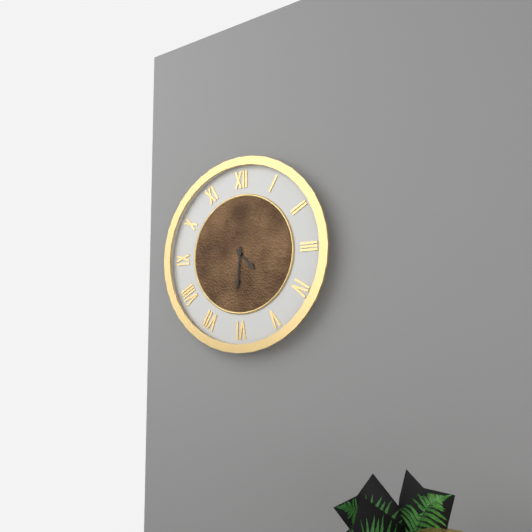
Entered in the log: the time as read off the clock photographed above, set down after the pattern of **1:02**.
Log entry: **4:31**
